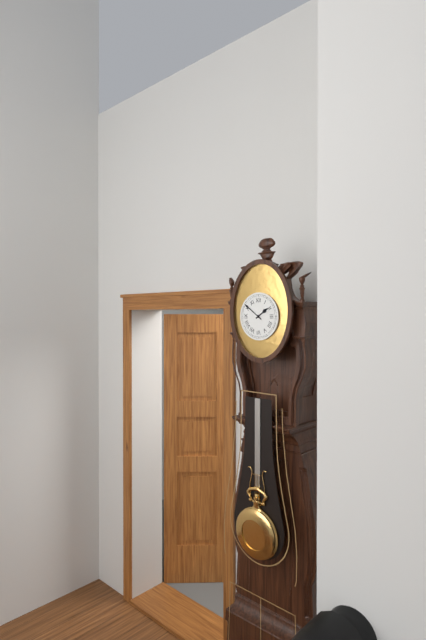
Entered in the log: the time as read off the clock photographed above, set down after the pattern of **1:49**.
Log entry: **1:51**
